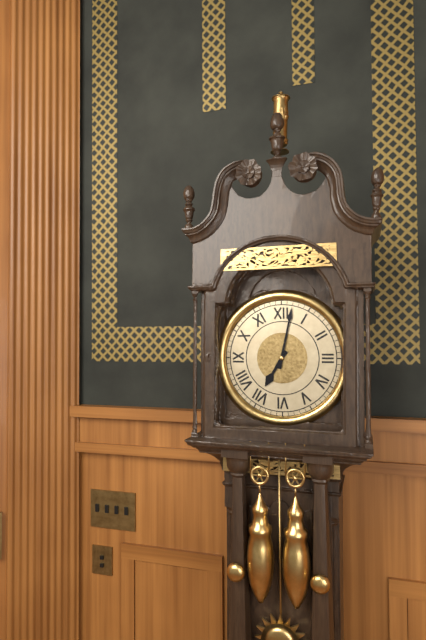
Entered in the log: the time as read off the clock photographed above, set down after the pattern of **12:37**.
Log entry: **7:02**
